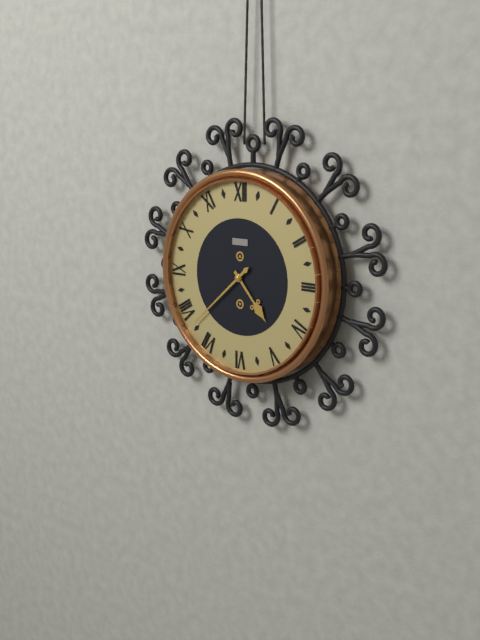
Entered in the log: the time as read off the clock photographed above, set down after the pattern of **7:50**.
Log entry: **4:38**
